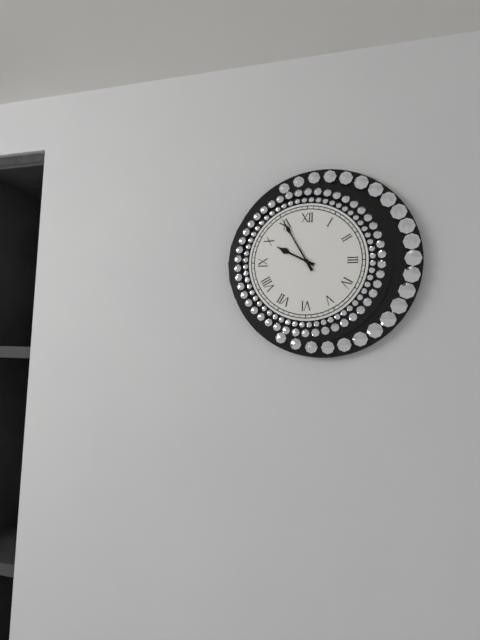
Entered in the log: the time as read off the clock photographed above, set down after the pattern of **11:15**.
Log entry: **9:55**
